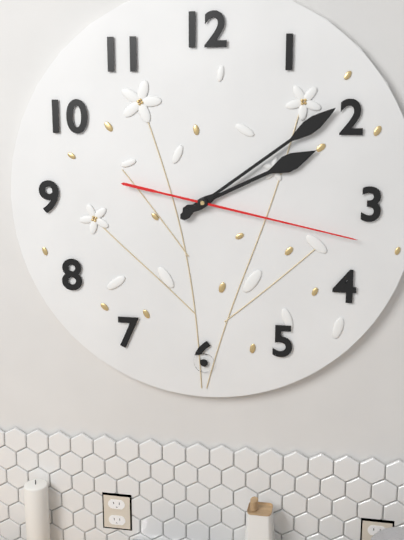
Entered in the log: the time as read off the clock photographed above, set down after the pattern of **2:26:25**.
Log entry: **2:09:17**
